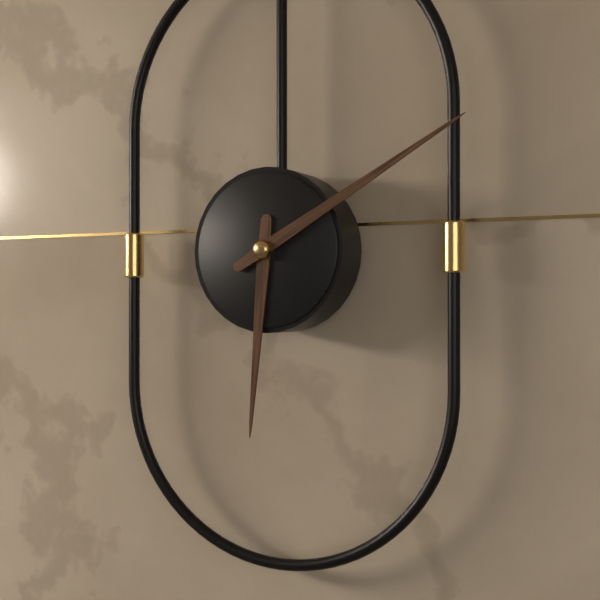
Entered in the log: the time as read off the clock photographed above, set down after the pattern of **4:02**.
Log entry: **6:10**
